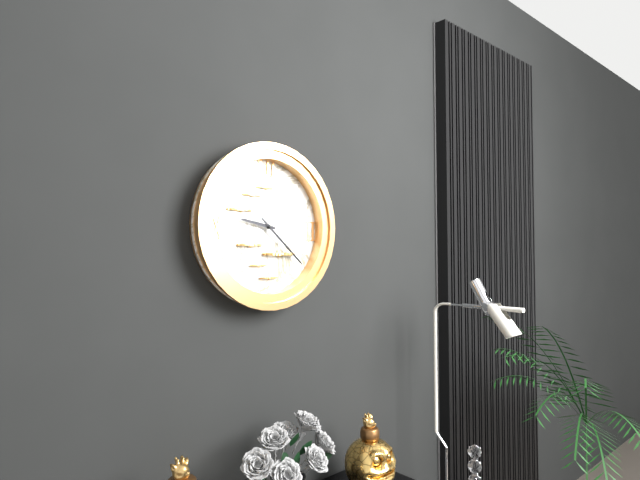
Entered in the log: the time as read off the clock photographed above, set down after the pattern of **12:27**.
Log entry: **9:22**
